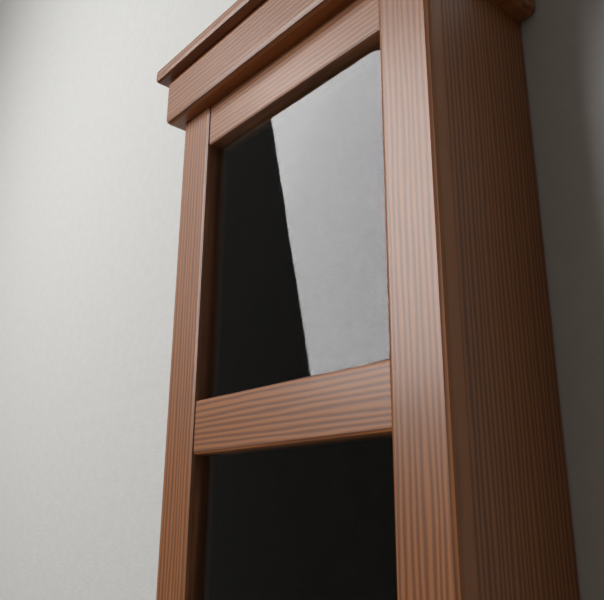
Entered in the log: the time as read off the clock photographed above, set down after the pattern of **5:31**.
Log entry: **11:38**
